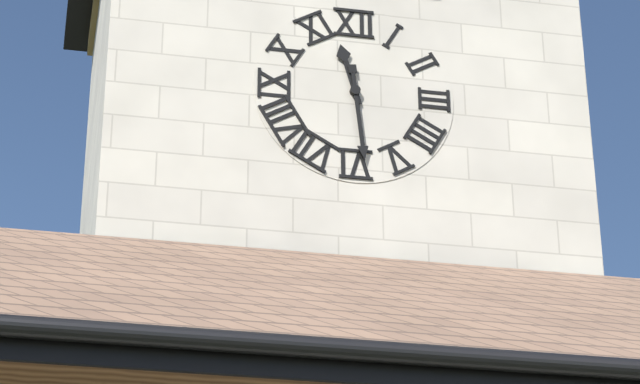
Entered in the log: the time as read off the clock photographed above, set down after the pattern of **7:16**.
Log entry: **11:29**
